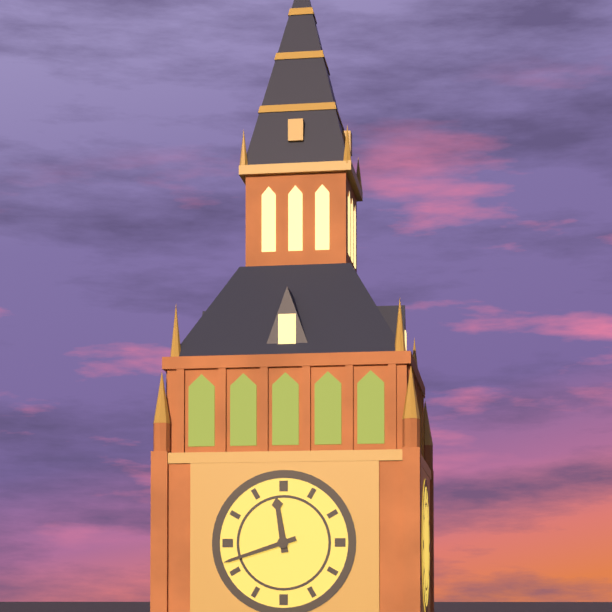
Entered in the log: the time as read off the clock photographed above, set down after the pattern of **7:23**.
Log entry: **11:42**
